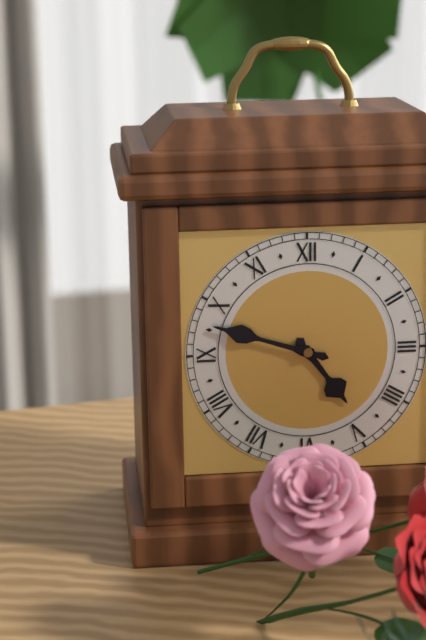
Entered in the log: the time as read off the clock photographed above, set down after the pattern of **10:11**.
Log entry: **4:48**
